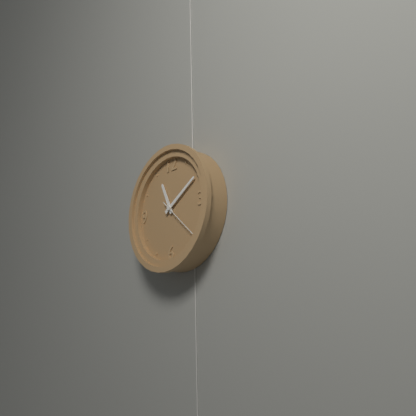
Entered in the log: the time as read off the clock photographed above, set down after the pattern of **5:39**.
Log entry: **11:10**
